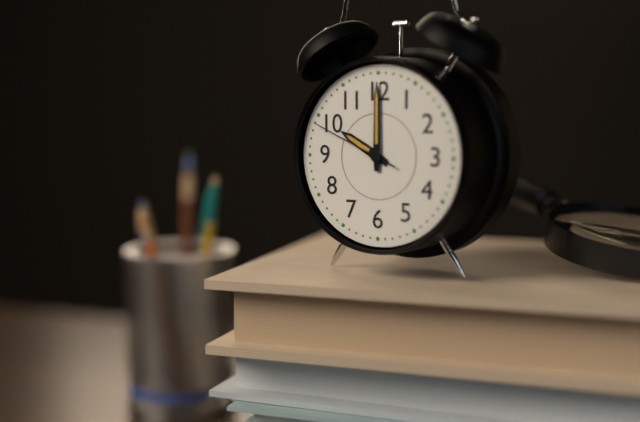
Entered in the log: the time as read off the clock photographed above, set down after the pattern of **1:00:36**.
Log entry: **10:00:49**
